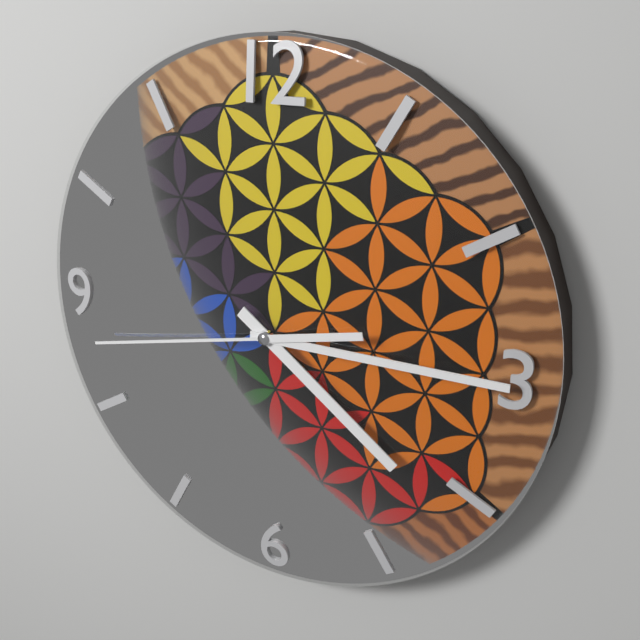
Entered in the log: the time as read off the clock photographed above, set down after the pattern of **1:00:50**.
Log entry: **4:15:43**
